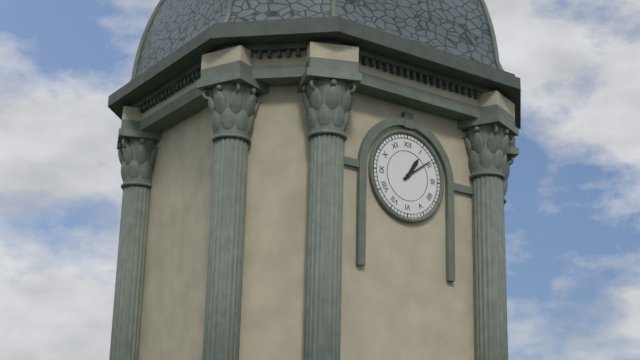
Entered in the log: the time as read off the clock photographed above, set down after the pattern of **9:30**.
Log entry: **1:09**
